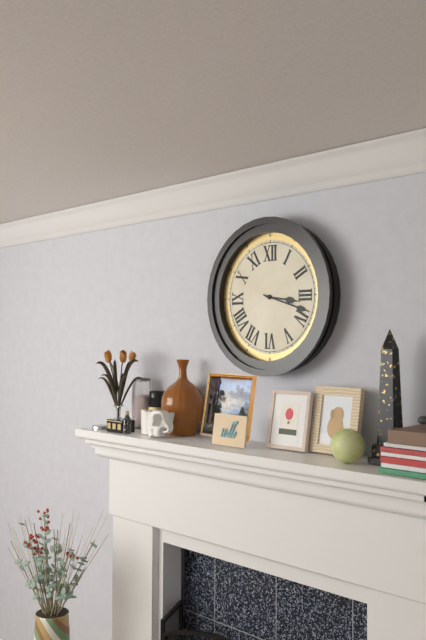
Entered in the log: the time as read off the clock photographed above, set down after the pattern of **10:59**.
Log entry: **3:18**
